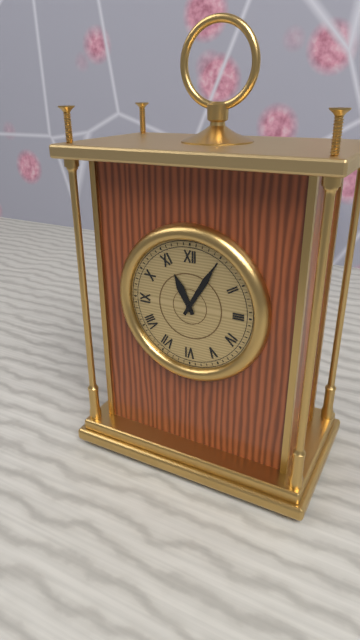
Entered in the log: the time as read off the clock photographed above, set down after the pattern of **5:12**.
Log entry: **11:05**
